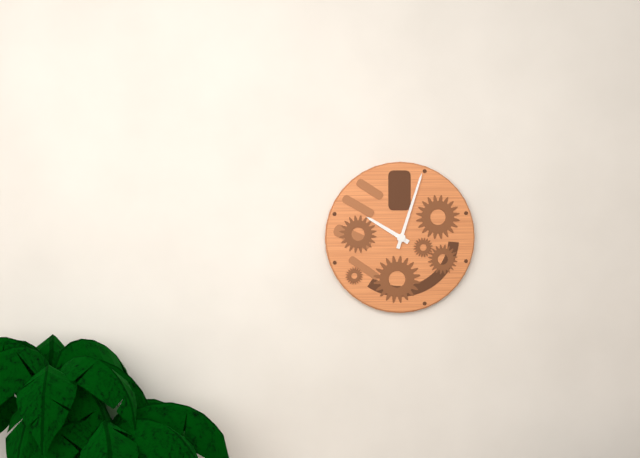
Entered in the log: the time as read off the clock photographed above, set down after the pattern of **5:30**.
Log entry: **10:03**
